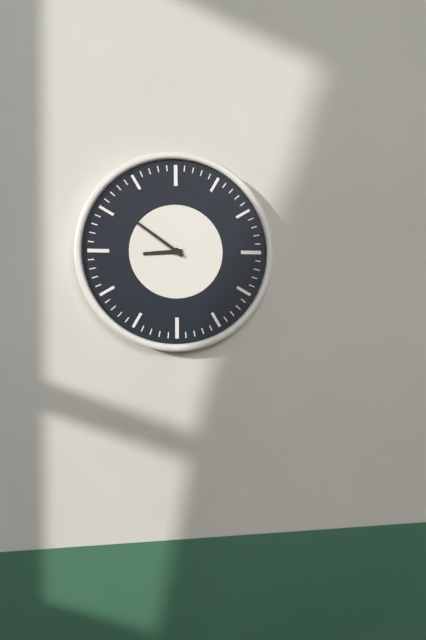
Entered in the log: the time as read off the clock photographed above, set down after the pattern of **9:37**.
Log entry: **8:51**
